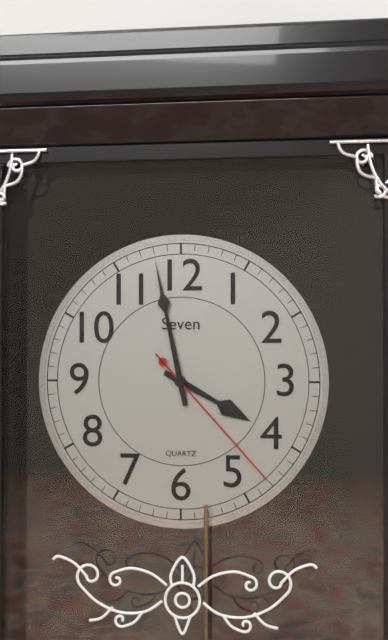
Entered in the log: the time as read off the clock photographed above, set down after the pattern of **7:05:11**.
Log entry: **3:58:23**
